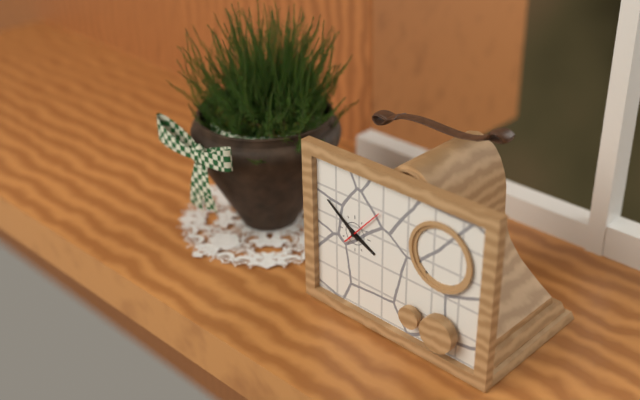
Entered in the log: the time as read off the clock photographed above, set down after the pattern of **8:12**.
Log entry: **3:51**
